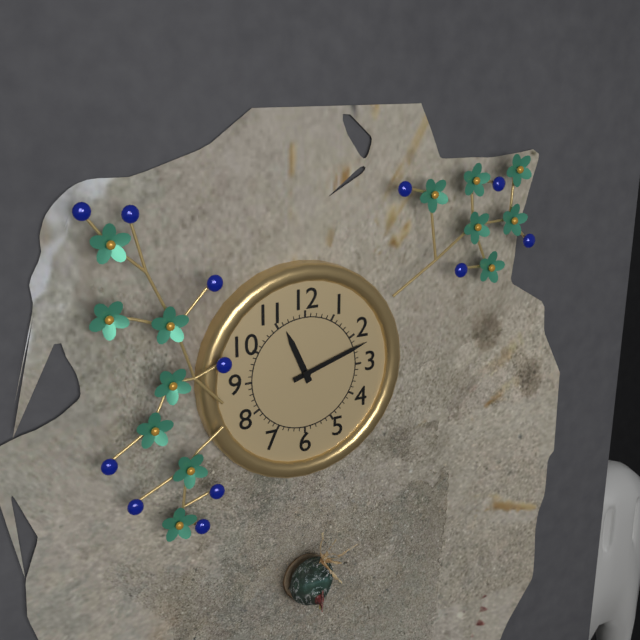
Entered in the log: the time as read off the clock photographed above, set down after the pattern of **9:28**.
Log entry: **11:12**
